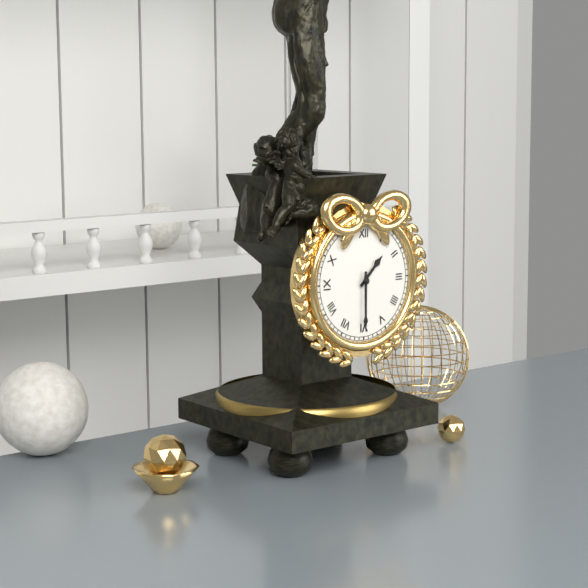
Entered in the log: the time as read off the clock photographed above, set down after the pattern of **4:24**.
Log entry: **1:30**
